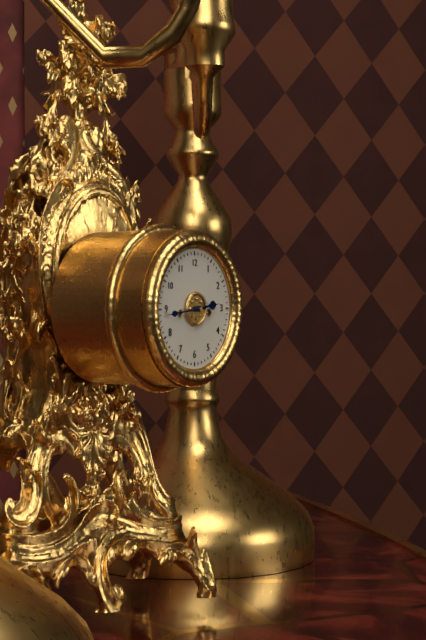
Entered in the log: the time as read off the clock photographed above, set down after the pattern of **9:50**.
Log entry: **2:44**
